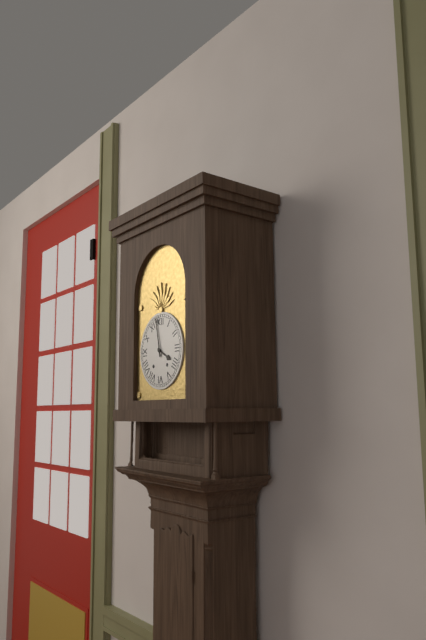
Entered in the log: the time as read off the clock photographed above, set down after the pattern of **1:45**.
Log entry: **3:58**
